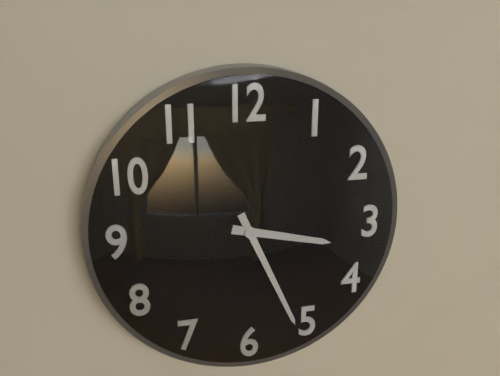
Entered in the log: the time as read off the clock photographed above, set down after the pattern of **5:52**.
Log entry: **3:26**
